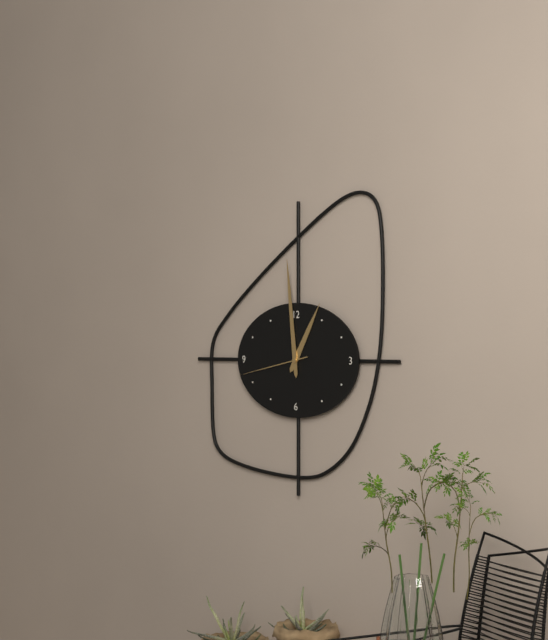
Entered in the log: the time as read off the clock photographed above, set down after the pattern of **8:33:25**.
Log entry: **12:59:43**
